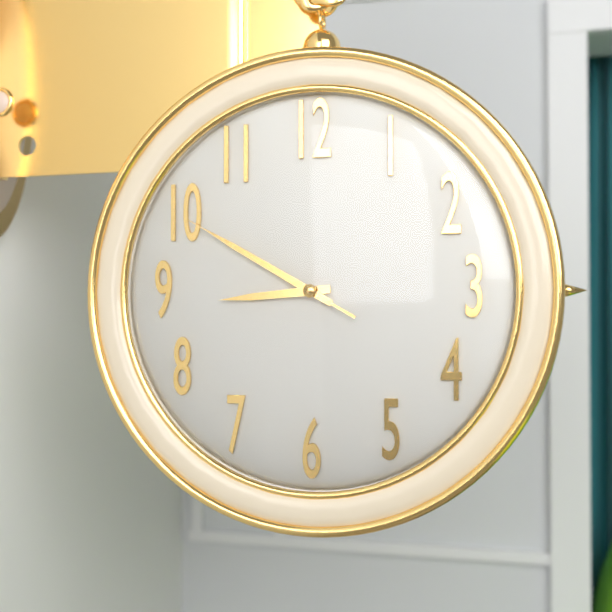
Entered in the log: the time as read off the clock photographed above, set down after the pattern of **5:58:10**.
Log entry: **8:50:50**
